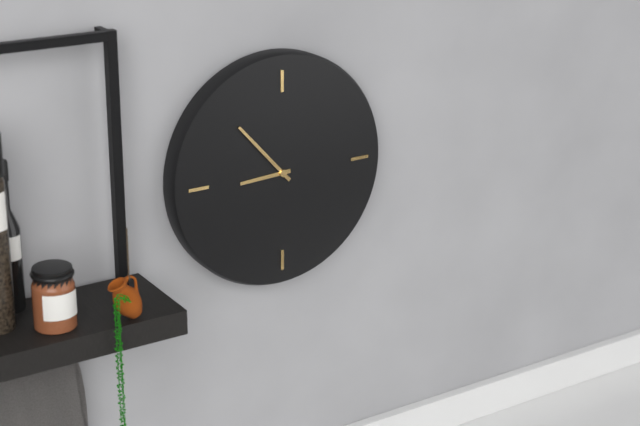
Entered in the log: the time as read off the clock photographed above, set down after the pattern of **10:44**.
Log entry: **8:53**
